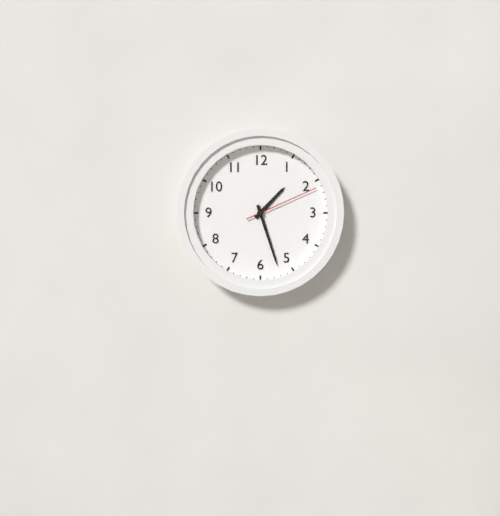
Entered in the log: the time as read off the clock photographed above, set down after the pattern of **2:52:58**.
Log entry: **1:27:11**
